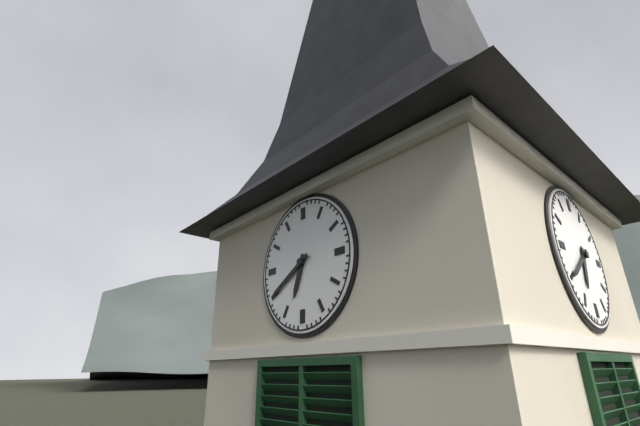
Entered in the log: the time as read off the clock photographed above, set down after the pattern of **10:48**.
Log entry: **6:40**
